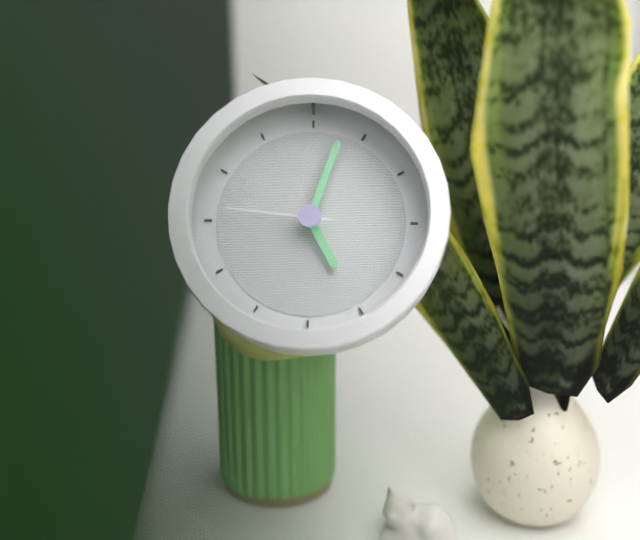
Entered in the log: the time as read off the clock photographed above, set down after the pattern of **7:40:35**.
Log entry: **5:03:46**
